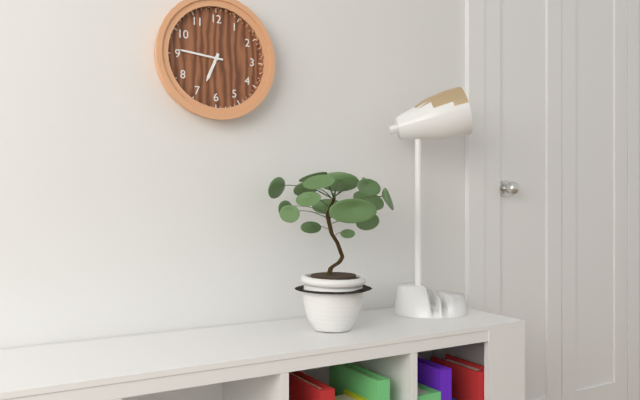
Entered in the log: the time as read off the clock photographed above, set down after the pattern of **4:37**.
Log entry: **6:46**
